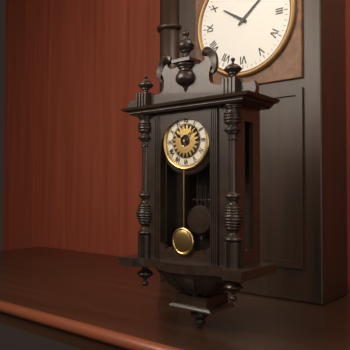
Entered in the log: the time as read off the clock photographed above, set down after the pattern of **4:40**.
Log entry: **10:07**
